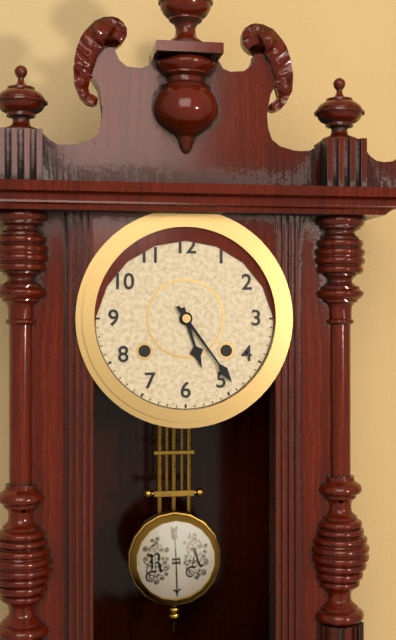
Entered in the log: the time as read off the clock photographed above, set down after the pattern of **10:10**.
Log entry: **5:24**
